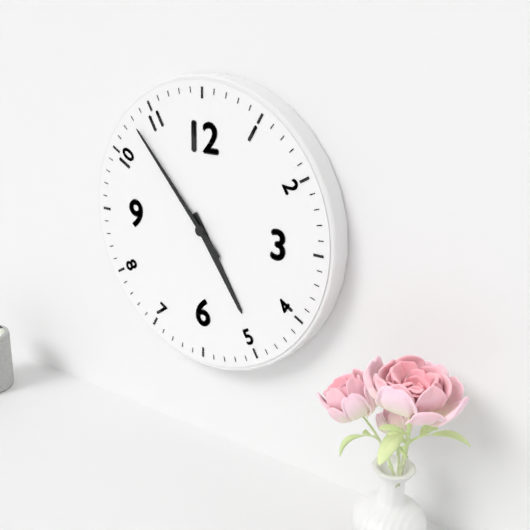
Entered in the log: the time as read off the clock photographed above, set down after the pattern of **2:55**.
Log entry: **4:53**
